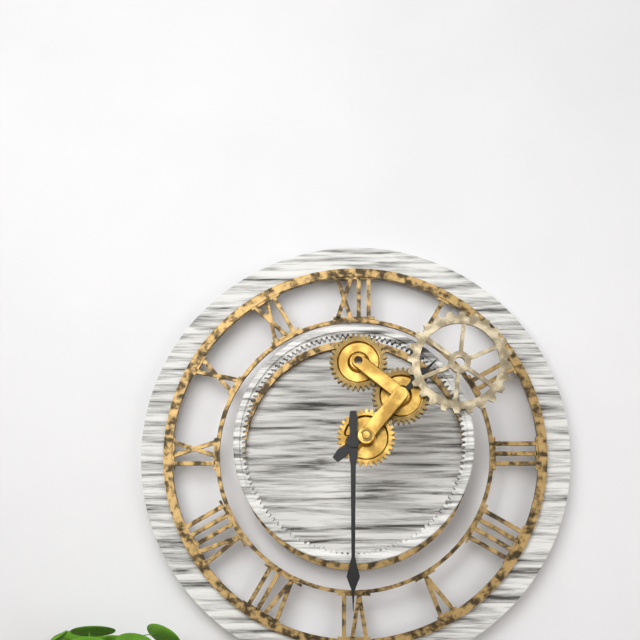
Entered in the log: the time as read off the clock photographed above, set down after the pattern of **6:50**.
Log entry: **1:30**
